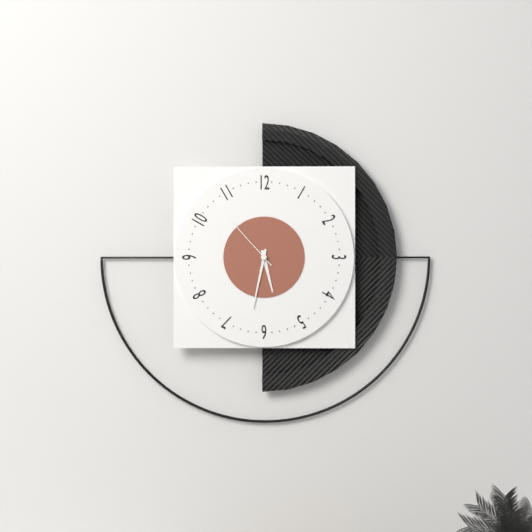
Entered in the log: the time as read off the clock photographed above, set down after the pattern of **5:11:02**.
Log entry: **5:32:53**
